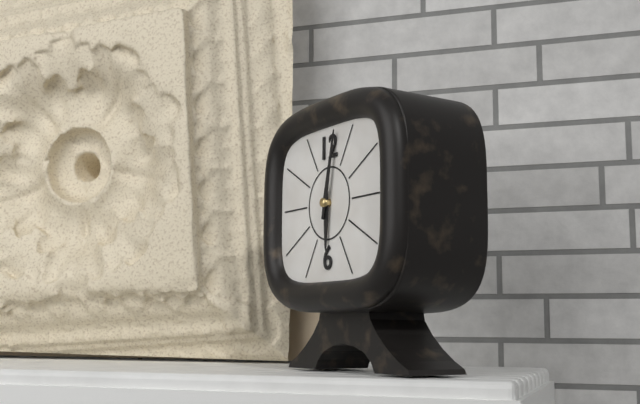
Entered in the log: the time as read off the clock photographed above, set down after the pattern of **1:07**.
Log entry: **6:02**
